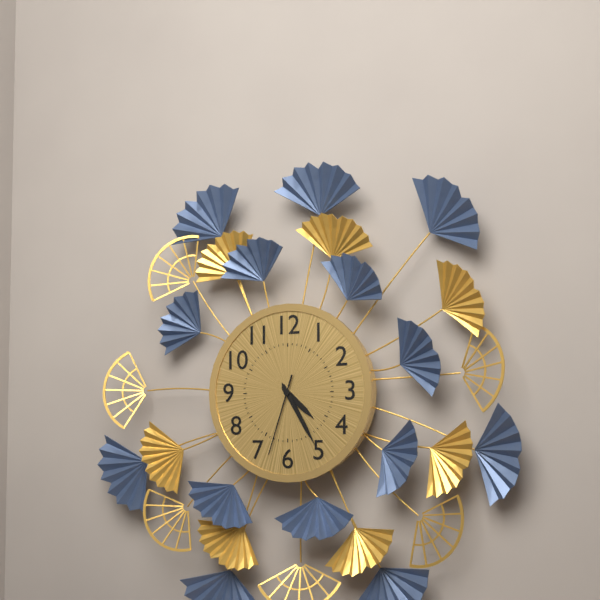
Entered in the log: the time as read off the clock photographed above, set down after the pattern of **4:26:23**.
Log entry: **4:25:33**
